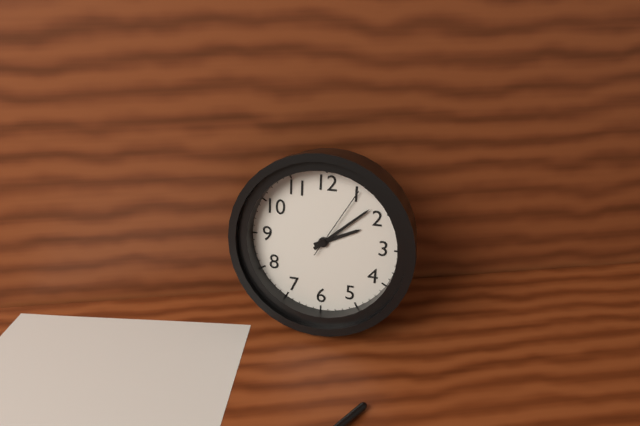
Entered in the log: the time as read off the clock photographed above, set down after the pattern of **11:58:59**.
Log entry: **2:08:05**
